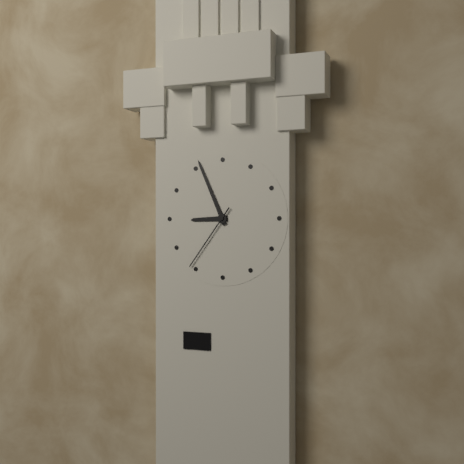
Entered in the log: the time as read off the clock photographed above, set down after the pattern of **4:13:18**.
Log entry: **8:56:36**
